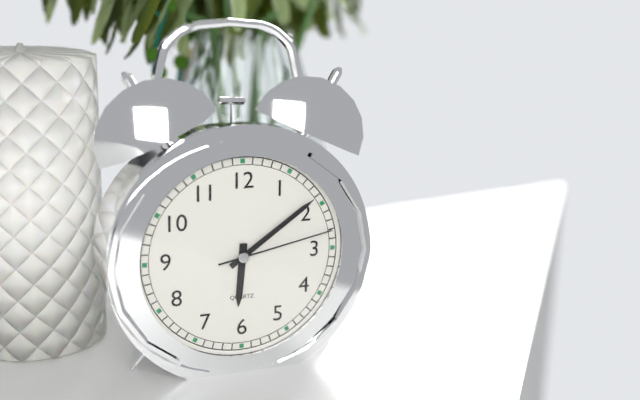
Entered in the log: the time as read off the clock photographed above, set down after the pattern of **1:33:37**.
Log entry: **6:09:13**
